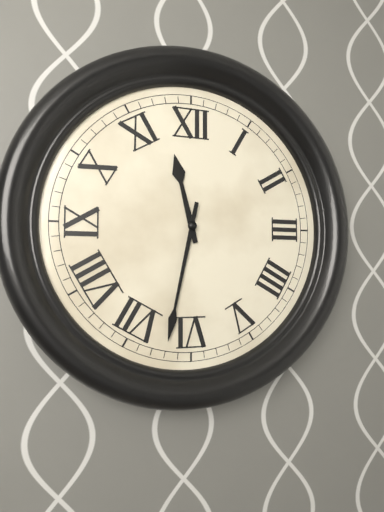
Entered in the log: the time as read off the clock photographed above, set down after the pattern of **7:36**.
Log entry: **11:32**
